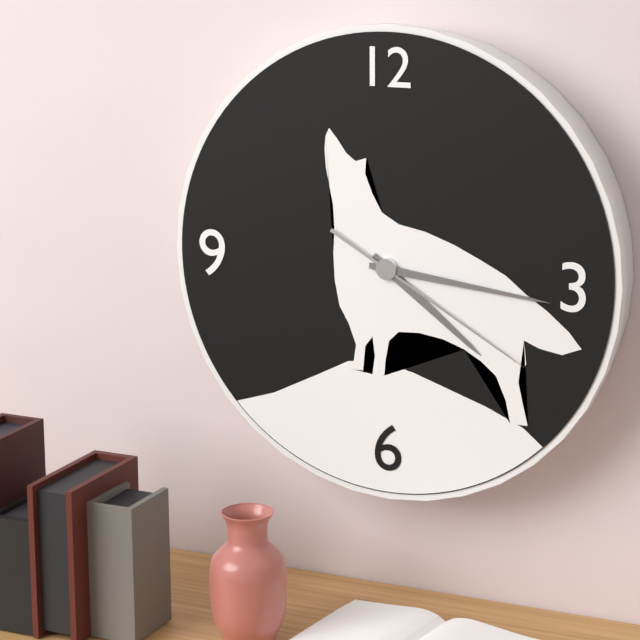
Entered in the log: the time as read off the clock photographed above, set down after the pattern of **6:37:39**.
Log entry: **4:16:20**
